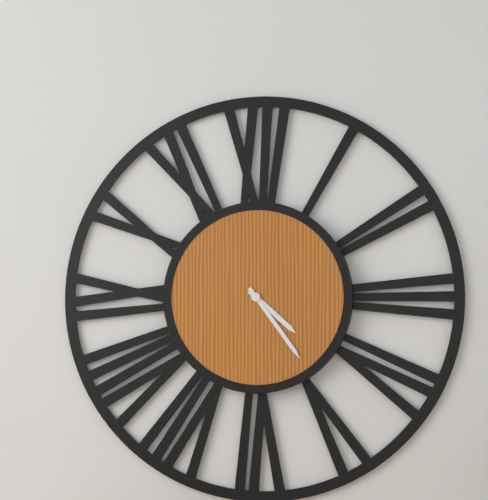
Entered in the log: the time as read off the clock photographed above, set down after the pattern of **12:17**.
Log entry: **4:24**
